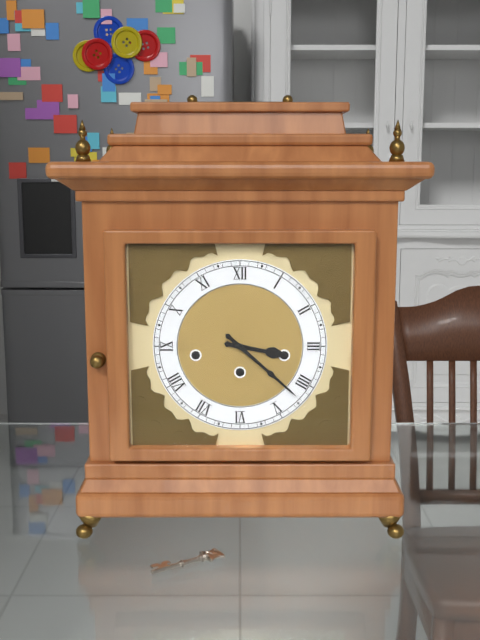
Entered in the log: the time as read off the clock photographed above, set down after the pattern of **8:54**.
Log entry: **3:22**
